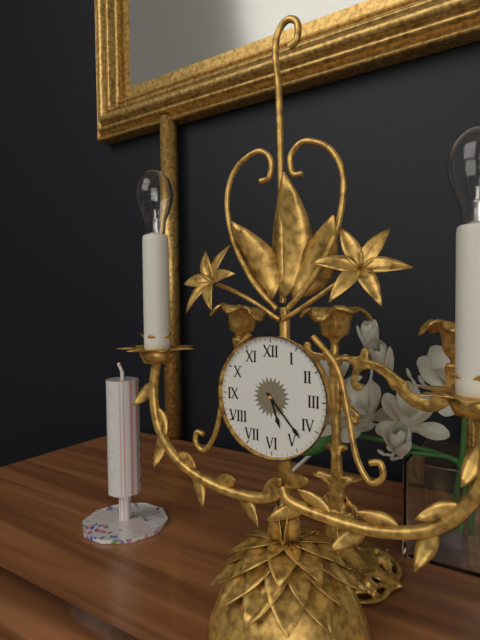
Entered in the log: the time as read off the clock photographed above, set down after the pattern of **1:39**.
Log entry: **5:23**
